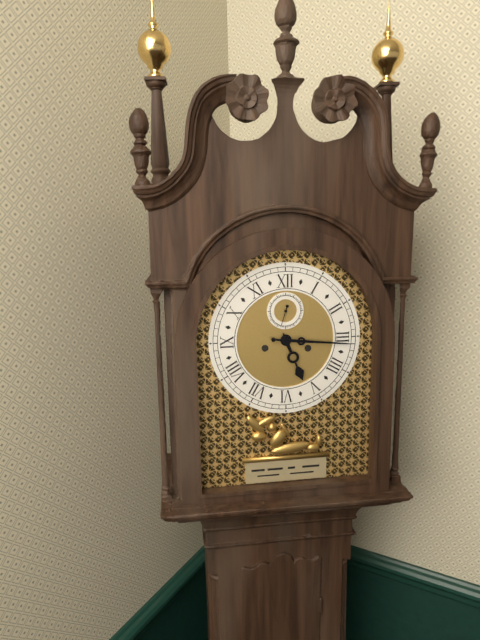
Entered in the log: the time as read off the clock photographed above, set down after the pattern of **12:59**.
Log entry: **5:16**
